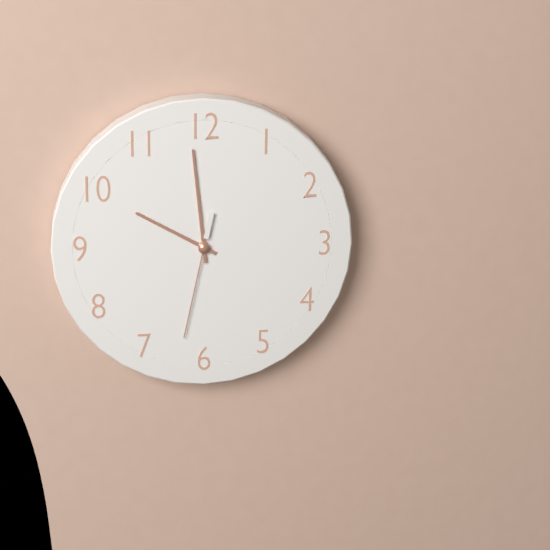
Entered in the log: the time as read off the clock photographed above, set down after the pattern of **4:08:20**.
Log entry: **9:59:32**
